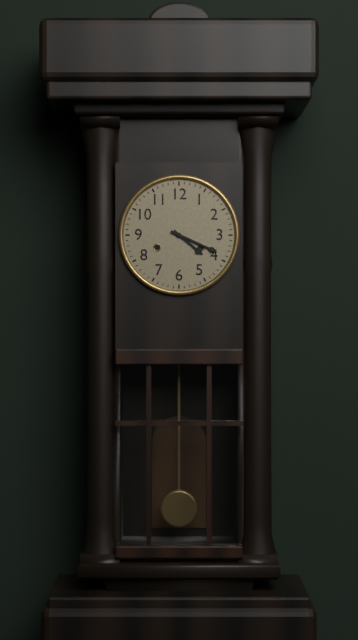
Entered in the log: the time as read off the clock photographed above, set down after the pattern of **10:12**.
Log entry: **4:19**
